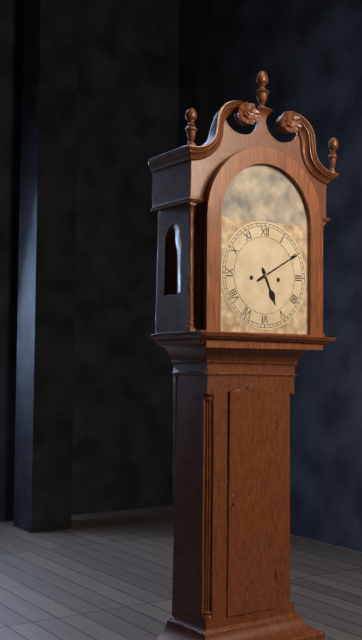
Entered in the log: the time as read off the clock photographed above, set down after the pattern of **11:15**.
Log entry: **5:10**
